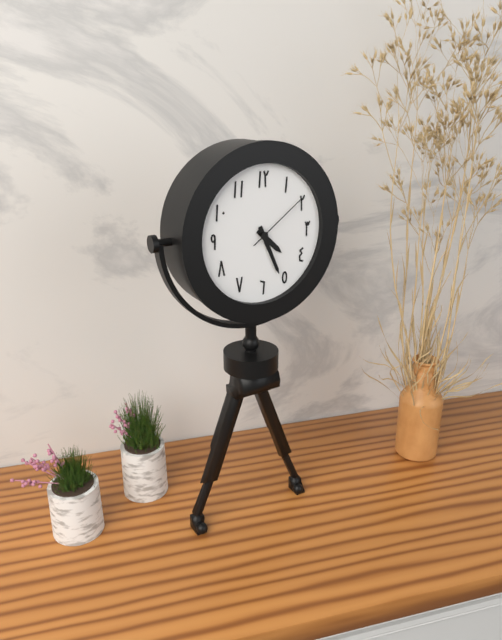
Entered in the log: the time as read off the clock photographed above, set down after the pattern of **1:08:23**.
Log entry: **4:26:09**
